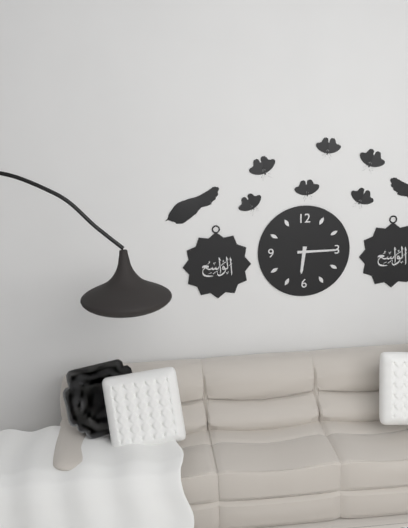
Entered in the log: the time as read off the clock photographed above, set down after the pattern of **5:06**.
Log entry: **6:15**
